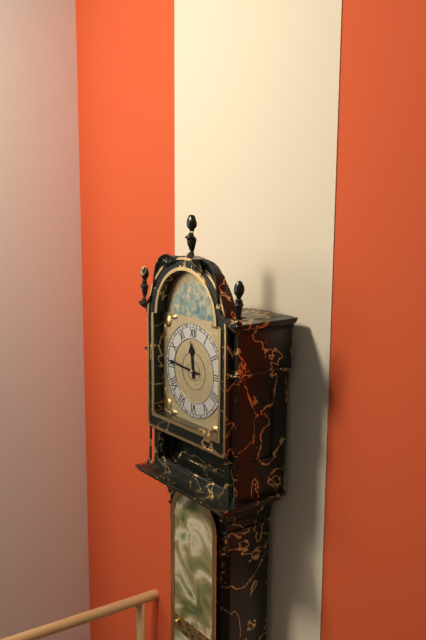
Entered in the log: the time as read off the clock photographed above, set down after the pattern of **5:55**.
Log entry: **11:46**
